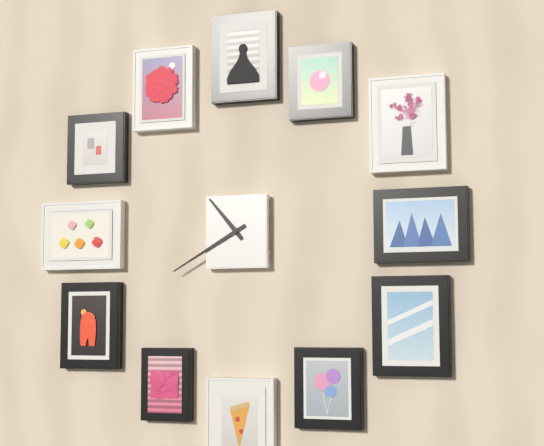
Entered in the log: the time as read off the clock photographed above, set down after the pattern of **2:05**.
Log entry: **10:40**
